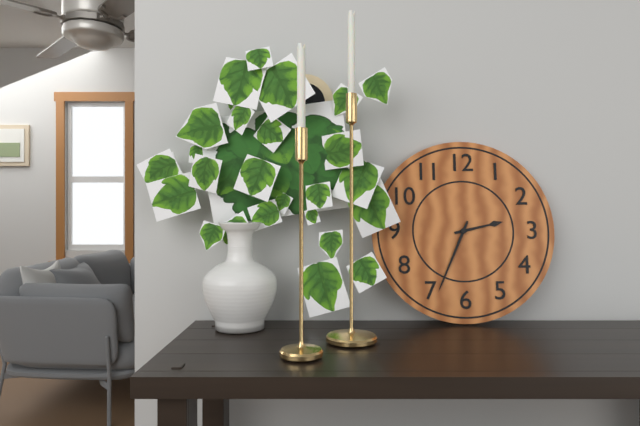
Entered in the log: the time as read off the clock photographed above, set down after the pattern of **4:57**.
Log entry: **2:34**
